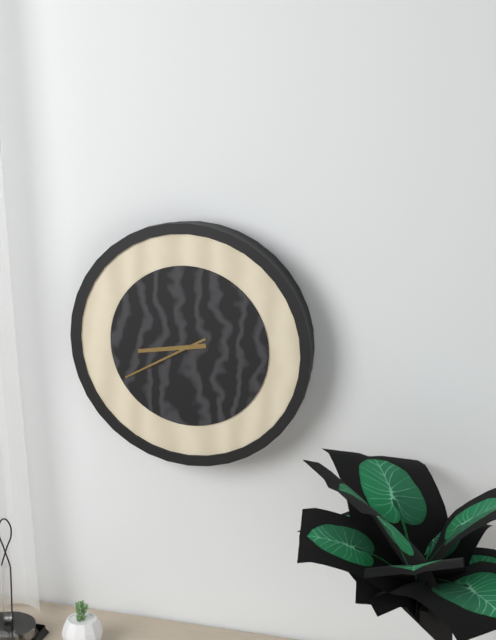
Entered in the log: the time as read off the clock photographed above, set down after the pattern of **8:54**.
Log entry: **8:40**
